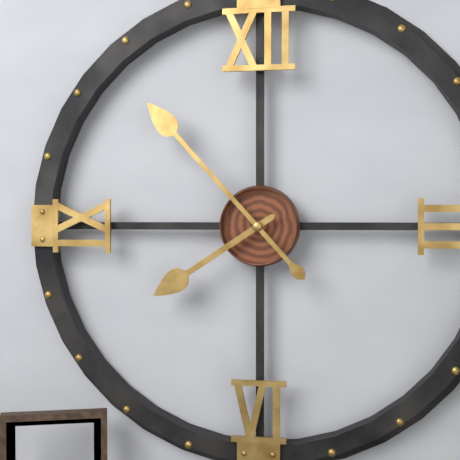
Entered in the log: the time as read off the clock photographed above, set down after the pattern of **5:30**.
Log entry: **7:53**
